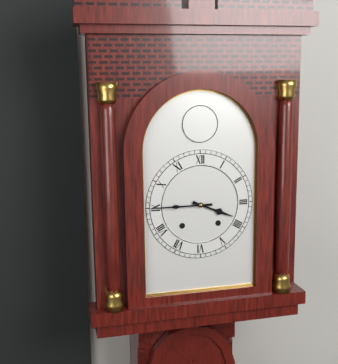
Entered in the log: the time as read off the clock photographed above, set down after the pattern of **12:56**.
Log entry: **3:45**
